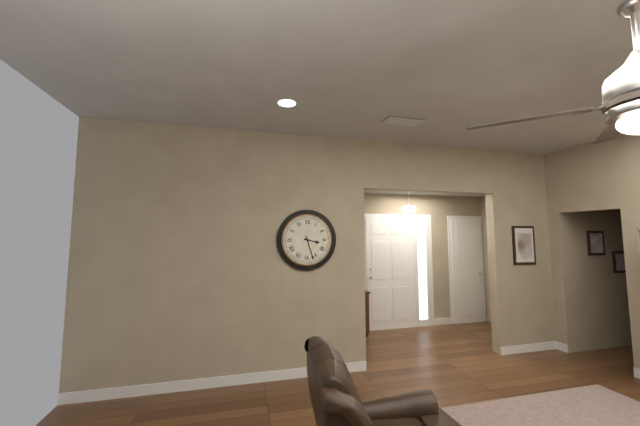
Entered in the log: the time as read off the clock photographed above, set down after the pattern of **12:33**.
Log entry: **3:27**
